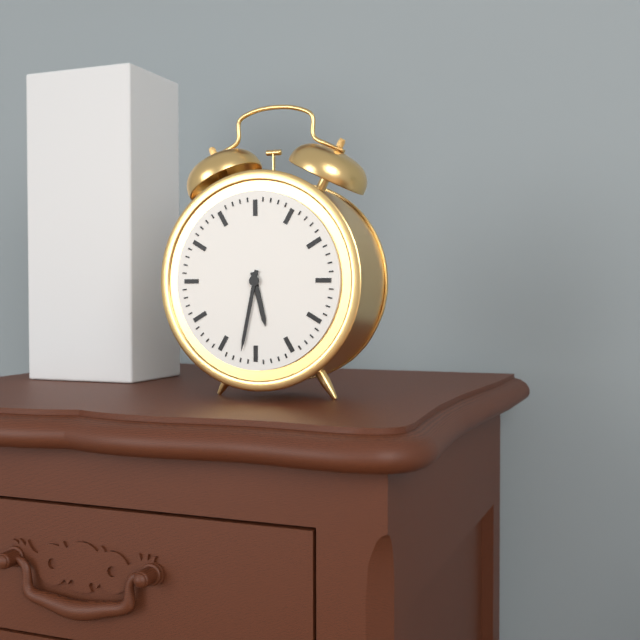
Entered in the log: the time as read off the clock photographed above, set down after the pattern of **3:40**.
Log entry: **5:32**
